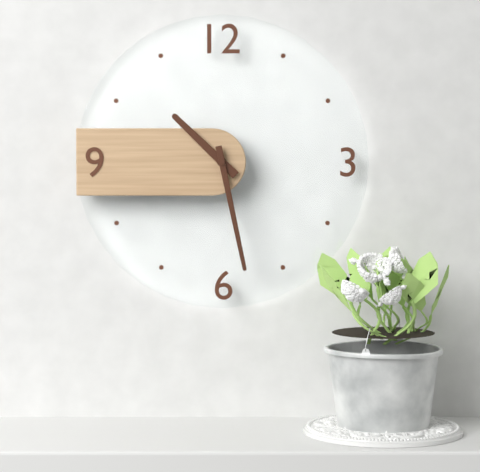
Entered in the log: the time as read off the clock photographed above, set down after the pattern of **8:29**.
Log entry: **10:28**
